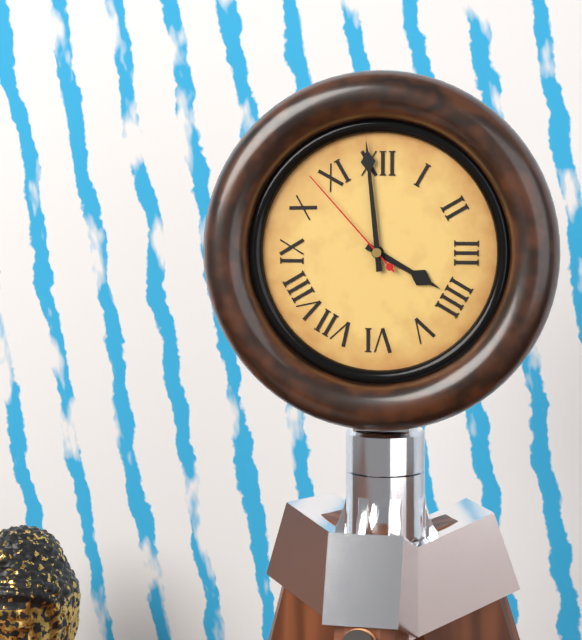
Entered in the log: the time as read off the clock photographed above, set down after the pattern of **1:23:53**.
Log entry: **3:59:53**
